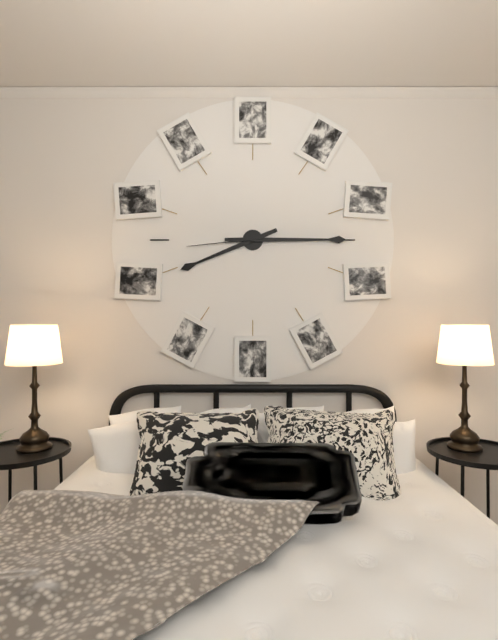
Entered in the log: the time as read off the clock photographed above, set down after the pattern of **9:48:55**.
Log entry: **8:15:44**
